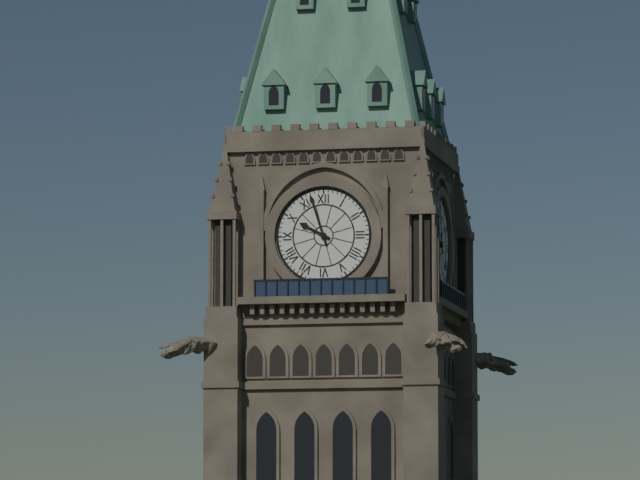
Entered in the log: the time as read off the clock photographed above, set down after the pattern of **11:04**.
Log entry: **9:57**
